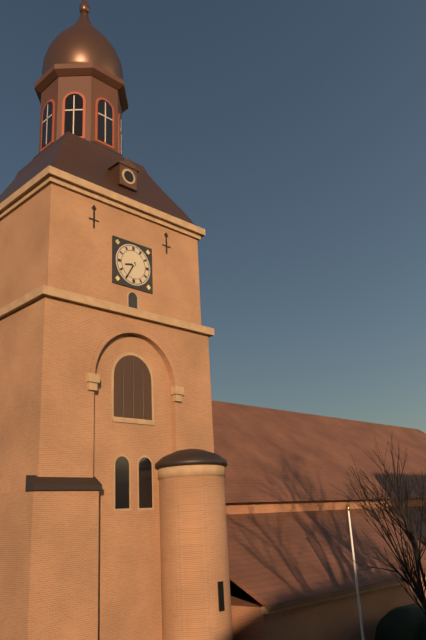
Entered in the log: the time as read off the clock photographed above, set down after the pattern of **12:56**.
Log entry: **8:35**
